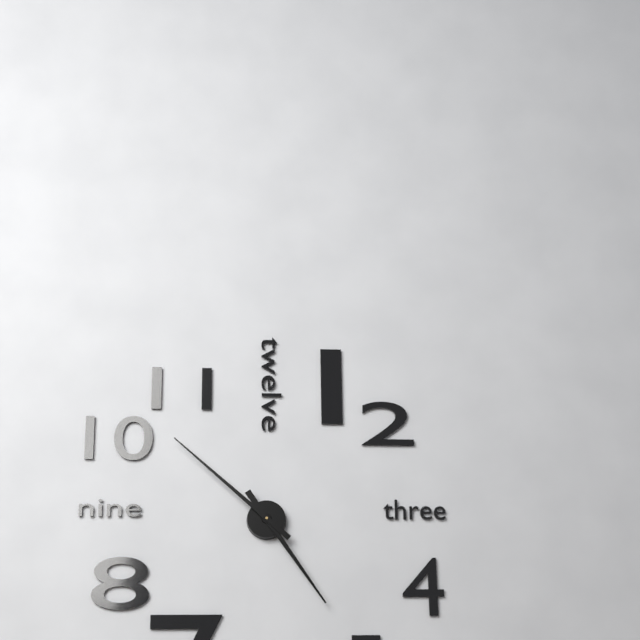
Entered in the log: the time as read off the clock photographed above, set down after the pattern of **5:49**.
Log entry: **4:52**
